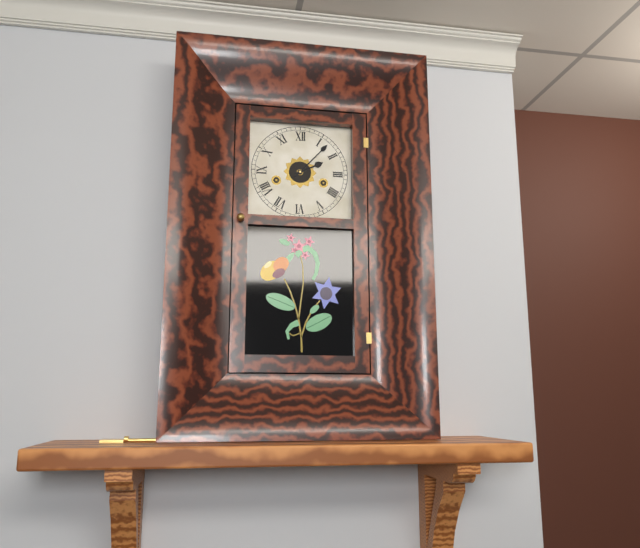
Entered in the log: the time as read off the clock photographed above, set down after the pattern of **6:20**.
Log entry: **2:07**
